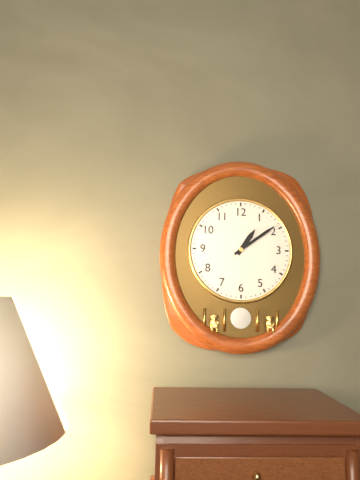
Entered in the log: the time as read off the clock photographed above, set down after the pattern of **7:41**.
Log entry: **1:09**
